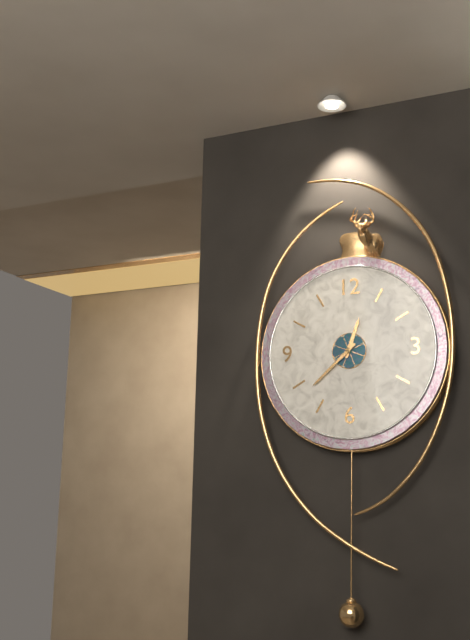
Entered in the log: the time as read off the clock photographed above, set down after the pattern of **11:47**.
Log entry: **12:38**
